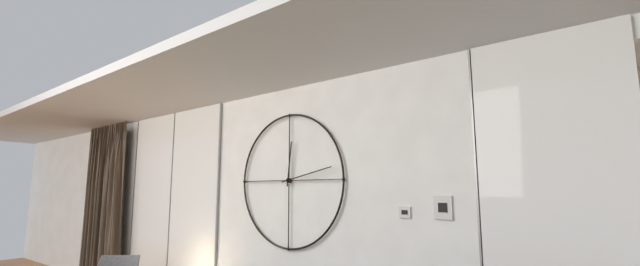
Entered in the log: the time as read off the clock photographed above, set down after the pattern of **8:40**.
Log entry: **12:13**
